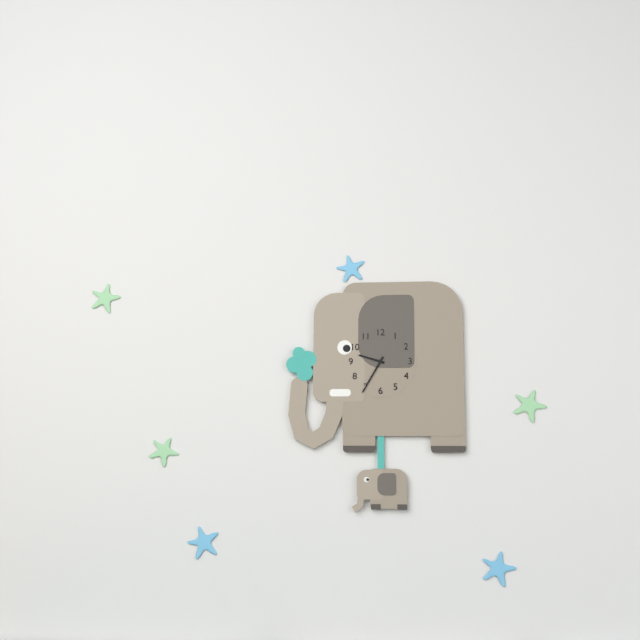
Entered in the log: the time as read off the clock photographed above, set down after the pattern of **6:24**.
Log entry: **9:35**
